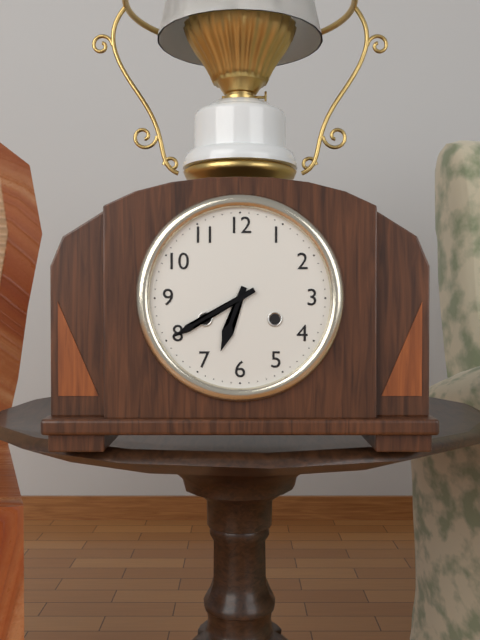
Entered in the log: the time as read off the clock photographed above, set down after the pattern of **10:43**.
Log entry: **6:40**
